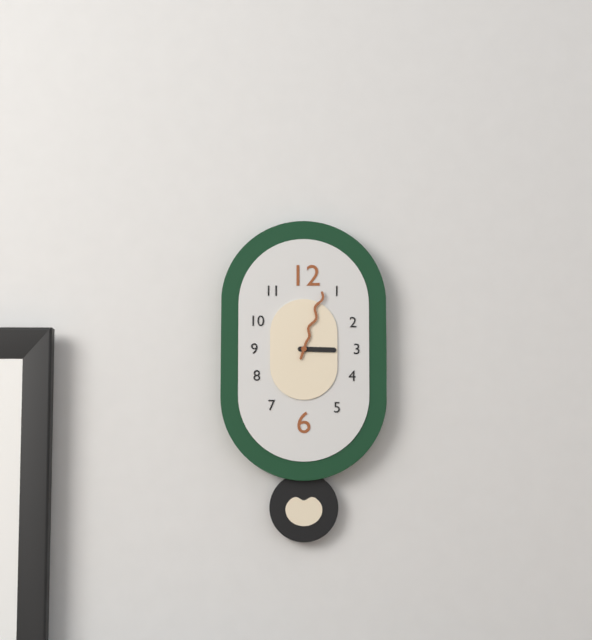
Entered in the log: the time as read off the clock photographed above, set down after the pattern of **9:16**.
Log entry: **3:03**
